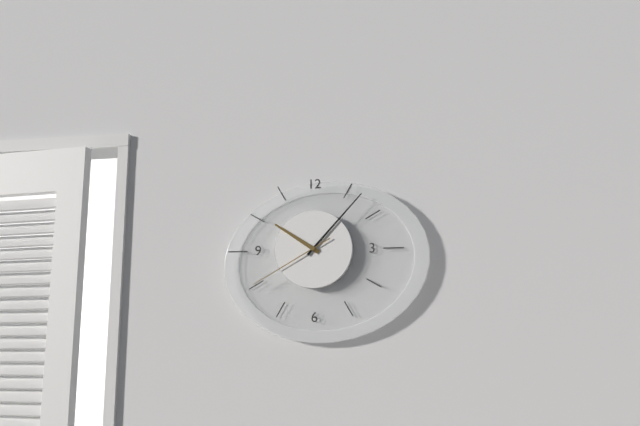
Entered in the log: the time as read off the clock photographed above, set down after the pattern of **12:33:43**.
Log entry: **10:07:40**
